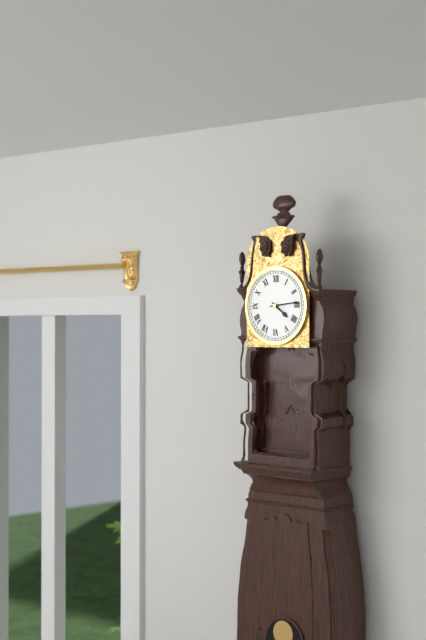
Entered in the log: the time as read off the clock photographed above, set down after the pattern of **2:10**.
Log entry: **4:14**
